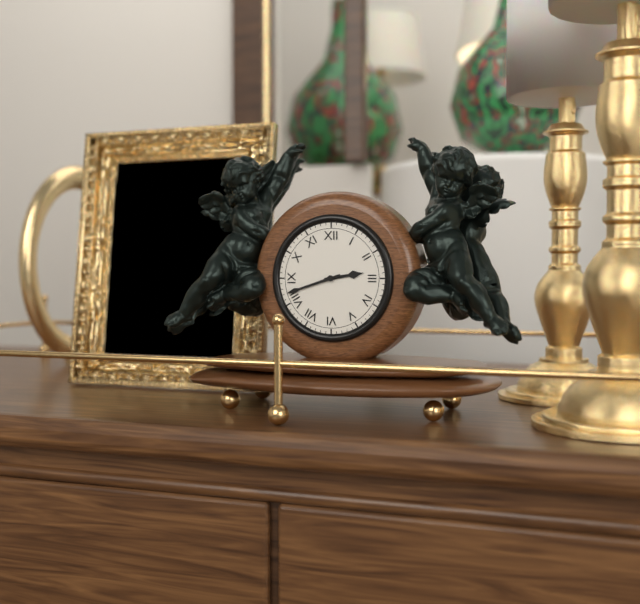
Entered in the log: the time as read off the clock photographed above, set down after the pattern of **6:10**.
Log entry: **2:42**
